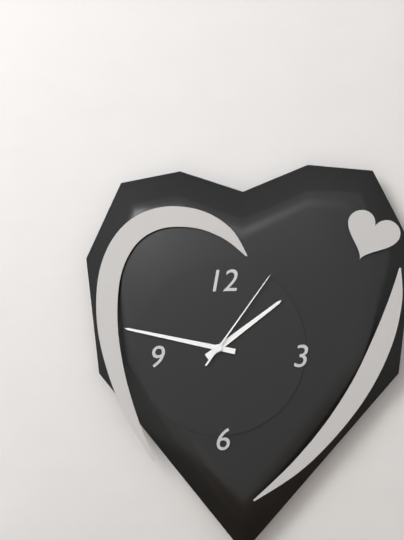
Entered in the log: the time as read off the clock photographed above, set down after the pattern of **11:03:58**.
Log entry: **1:47:06**
